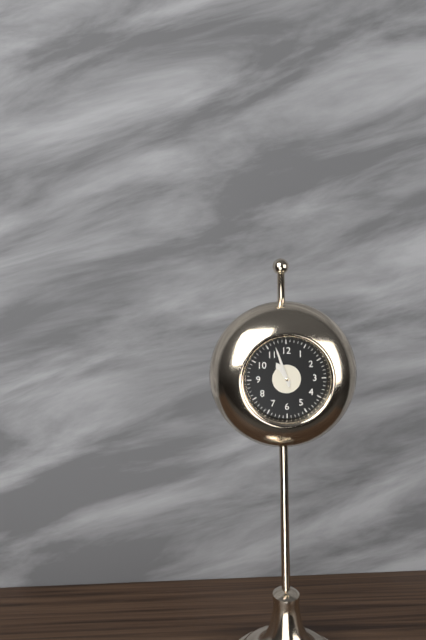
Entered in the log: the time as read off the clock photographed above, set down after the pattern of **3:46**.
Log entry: **10:57**
